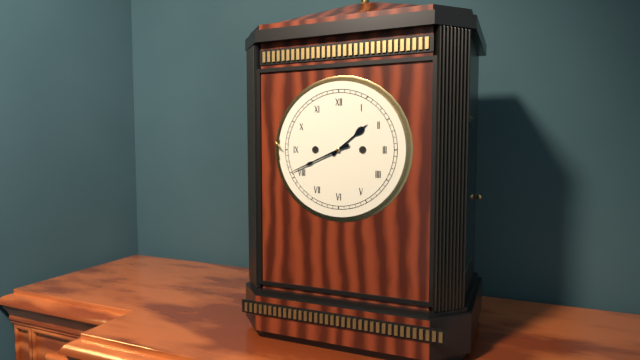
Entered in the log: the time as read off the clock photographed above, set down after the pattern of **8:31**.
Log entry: **1:41**
